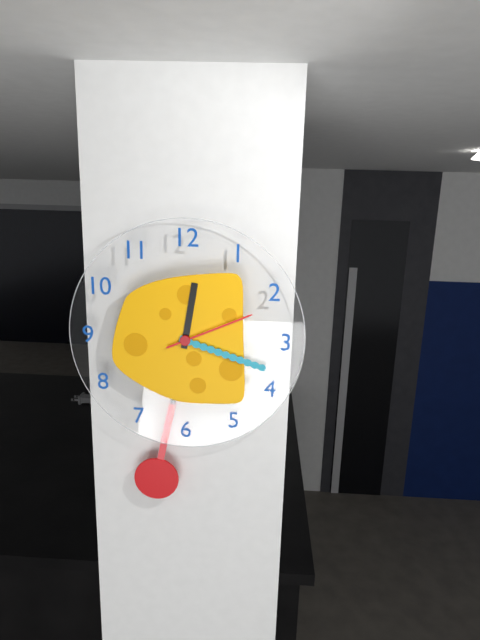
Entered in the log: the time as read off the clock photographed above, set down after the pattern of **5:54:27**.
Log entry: **12:18:11**
